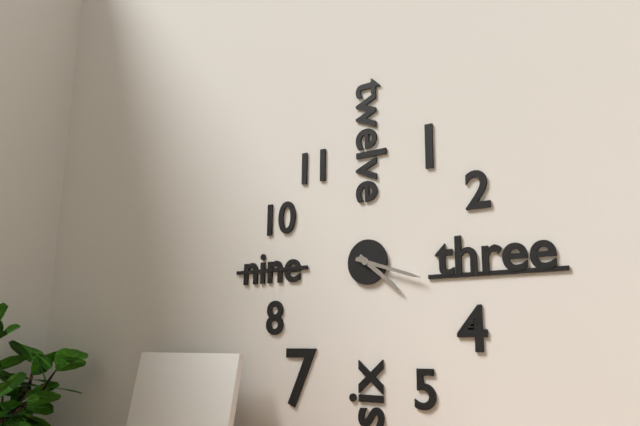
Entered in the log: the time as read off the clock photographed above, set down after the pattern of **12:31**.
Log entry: **4:18**
